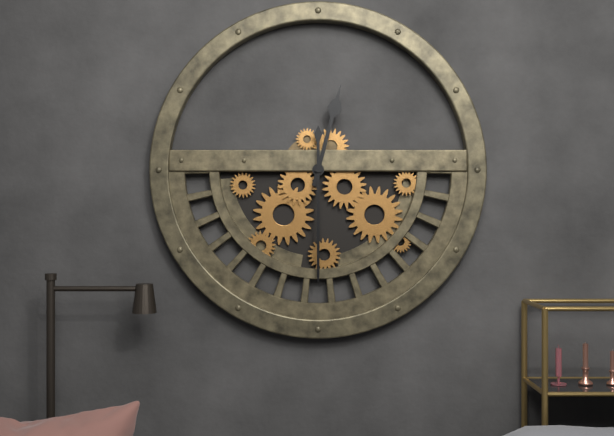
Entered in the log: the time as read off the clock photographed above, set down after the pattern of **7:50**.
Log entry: **12:30**
